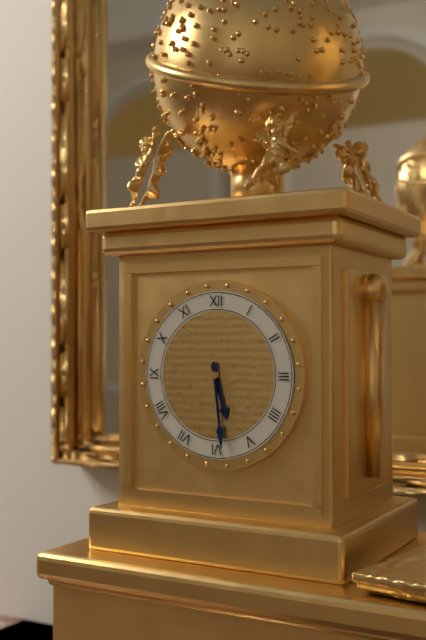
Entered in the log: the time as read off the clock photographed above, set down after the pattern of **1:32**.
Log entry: **5:29**
